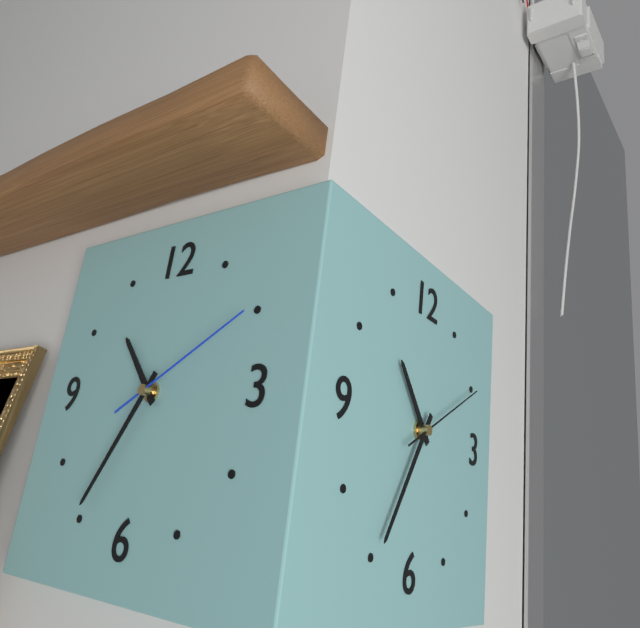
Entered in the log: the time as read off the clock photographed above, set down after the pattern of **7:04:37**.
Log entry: **10:35:10**
